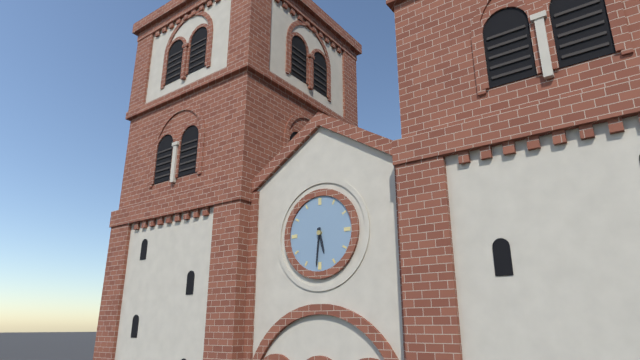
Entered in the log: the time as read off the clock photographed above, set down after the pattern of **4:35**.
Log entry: **5:31**
